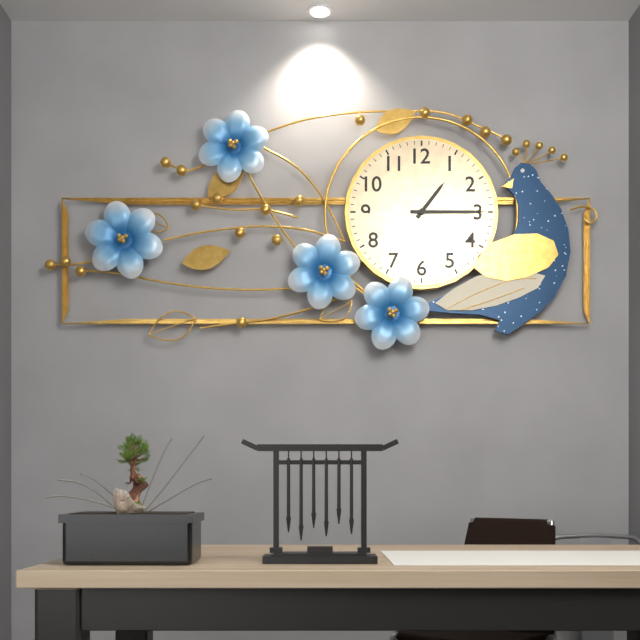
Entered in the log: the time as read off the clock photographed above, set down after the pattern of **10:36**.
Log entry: **1:15**
